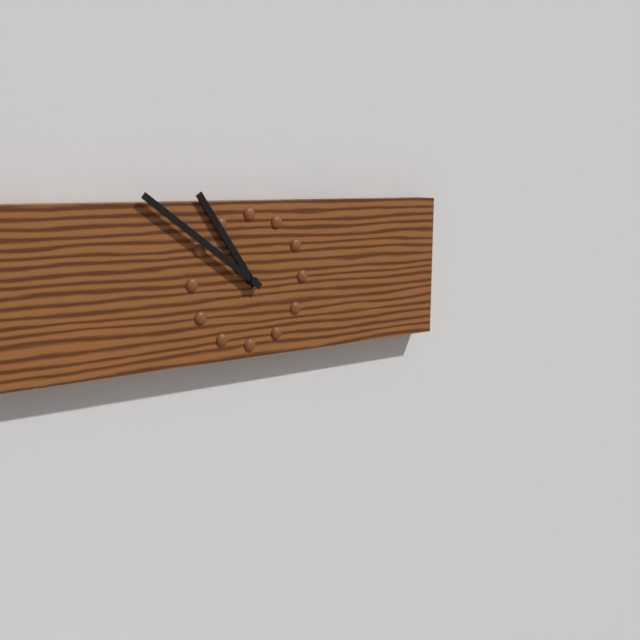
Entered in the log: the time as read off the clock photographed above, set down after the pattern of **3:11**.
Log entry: **10:51**
